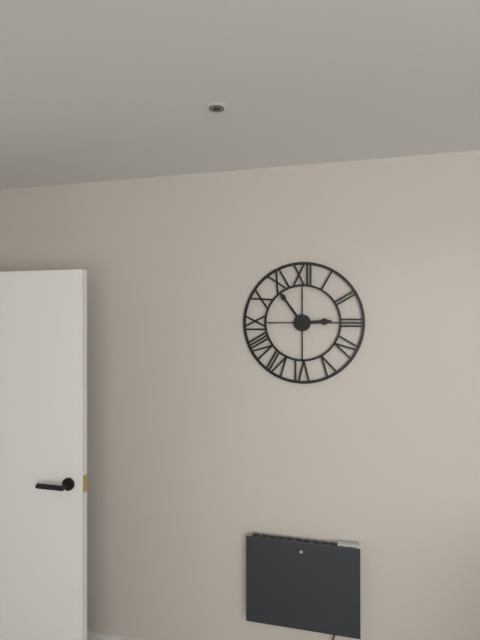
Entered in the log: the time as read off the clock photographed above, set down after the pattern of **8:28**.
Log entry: **2:54**
